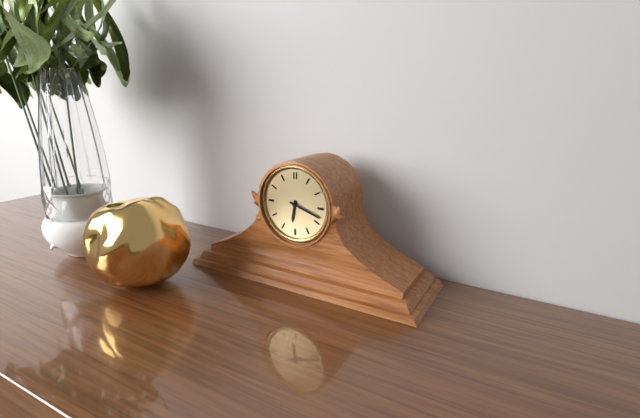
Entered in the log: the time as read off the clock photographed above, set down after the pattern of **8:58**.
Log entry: **6:18**
